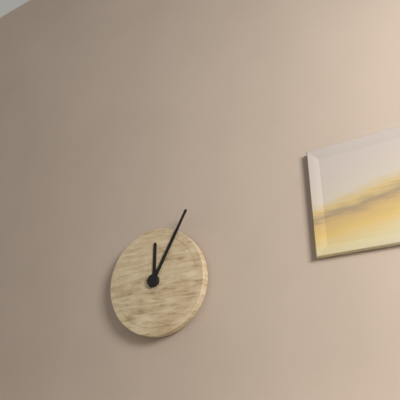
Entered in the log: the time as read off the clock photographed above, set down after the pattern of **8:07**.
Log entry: **12:05**
